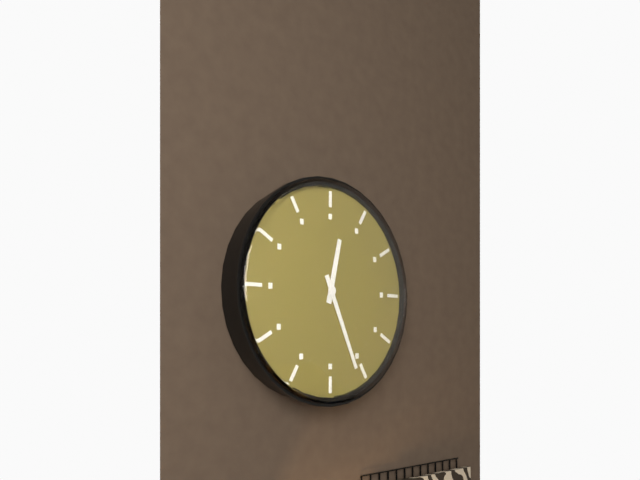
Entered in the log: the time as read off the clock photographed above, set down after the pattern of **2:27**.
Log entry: **12:26**
